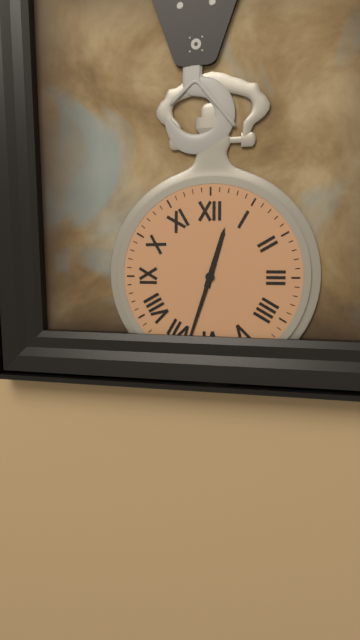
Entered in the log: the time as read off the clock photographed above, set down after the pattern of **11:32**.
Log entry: **12:33**
